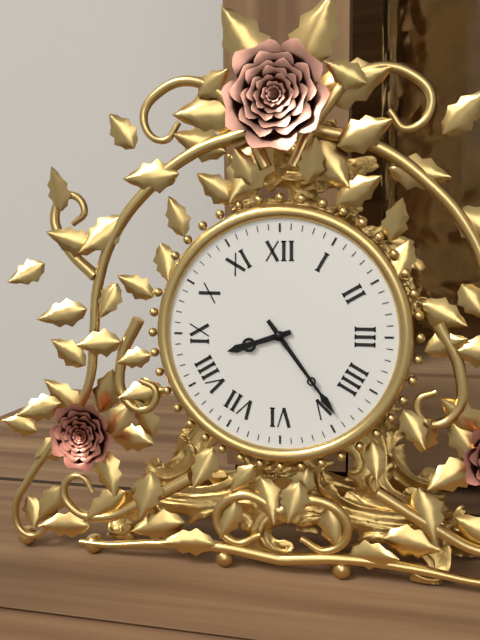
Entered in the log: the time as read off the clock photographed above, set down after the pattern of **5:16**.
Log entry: **8:24**
